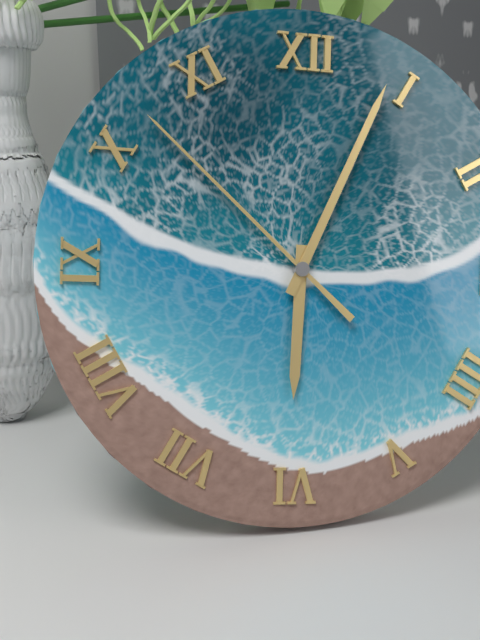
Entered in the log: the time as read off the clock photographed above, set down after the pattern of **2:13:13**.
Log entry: **6:04:52**
